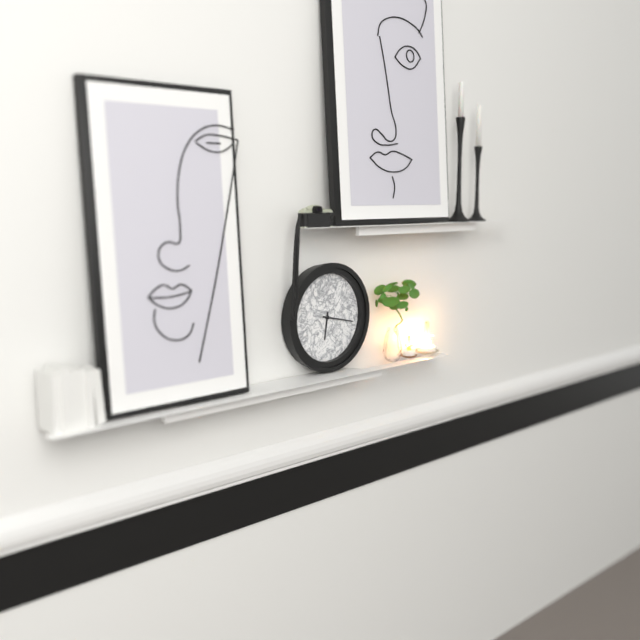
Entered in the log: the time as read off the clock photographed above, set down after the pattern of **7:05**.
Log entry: **6:17**
